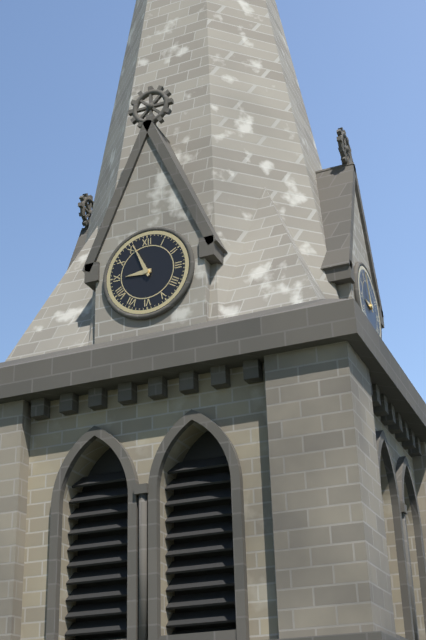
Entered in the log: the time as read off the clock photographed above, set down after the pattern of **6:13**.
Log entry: **8:56**
